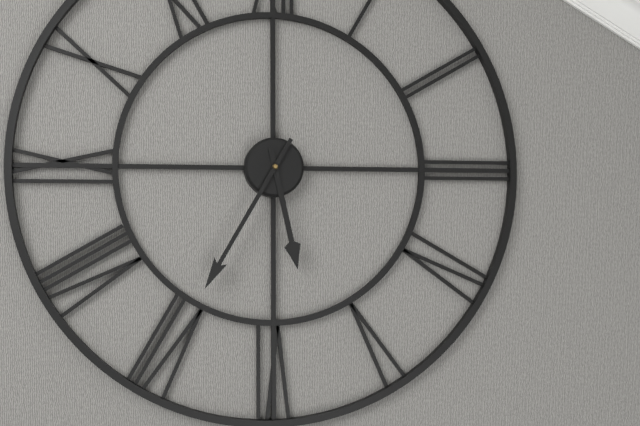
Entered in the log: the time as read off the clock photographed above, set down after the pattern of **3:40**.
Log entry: **5:35**
